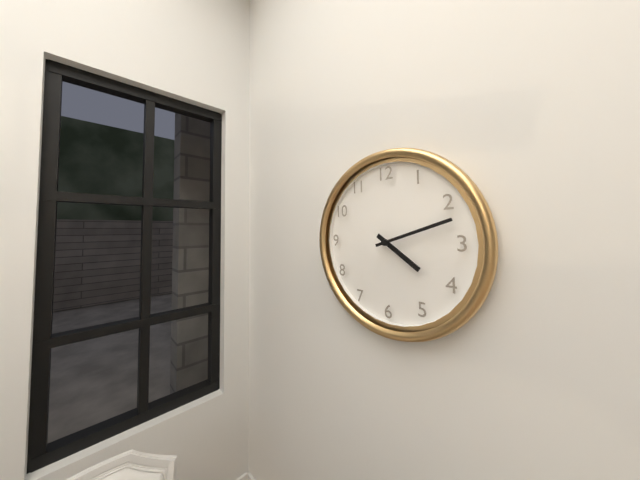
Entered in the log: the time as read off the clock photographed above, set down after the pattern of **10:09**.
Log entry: **4:12**
